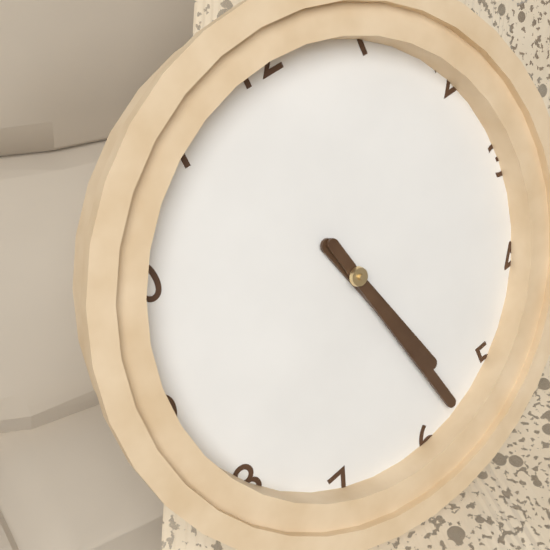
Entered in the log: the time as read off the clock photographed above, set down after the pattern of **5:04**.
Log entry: **5:28**
